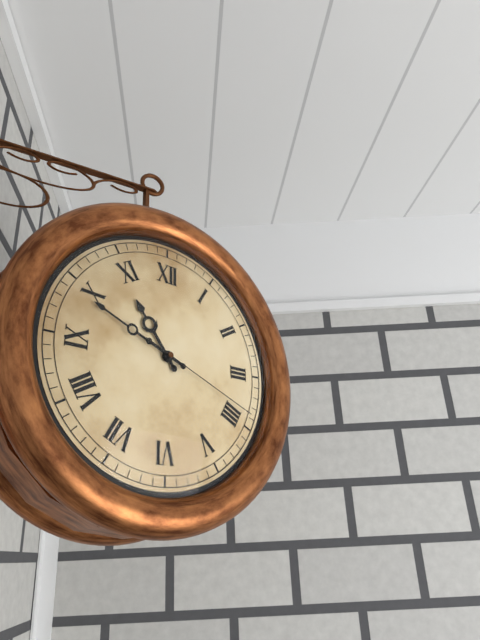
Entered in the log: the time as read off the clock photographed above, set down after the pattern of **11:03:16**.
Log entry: **10:49:19**
